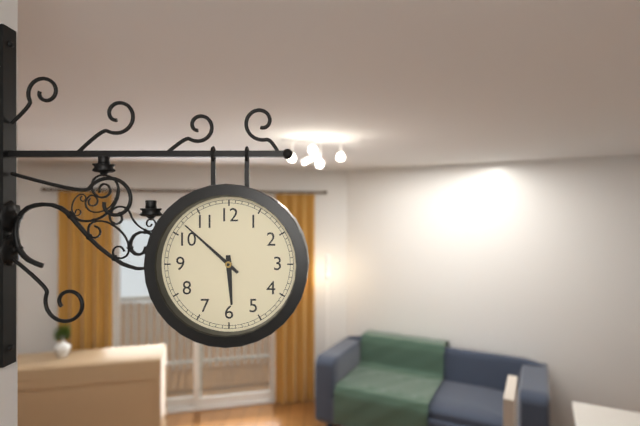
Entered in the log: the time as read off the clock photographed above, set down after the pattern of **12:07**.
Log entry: **5:52**
